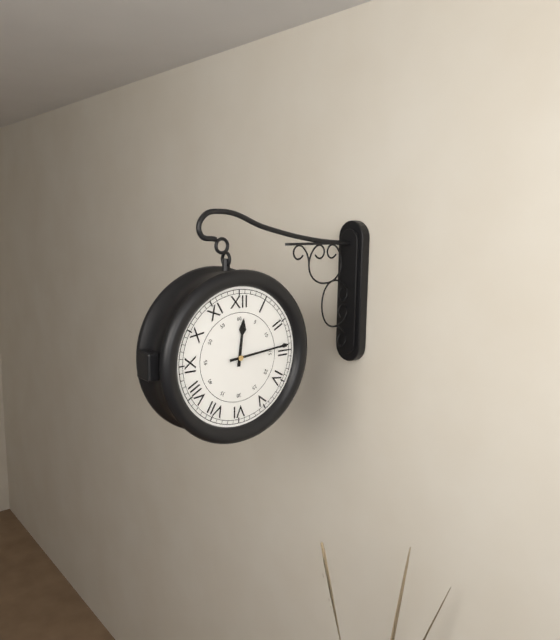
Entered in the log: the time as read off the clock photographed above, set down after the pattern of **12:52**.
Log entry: **12:14**
